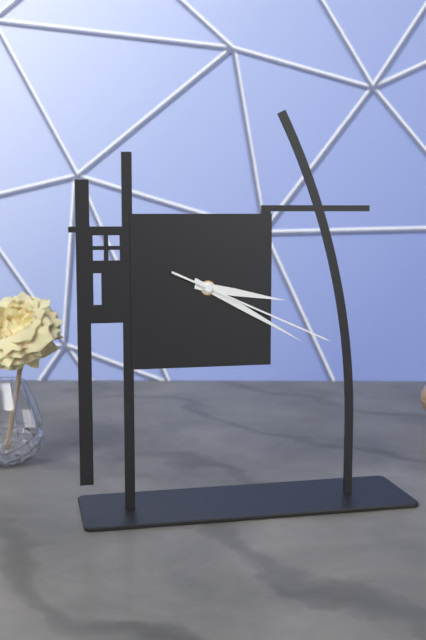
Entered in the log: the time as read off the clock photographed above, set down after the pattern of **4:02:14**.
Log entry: **3:20:19**
